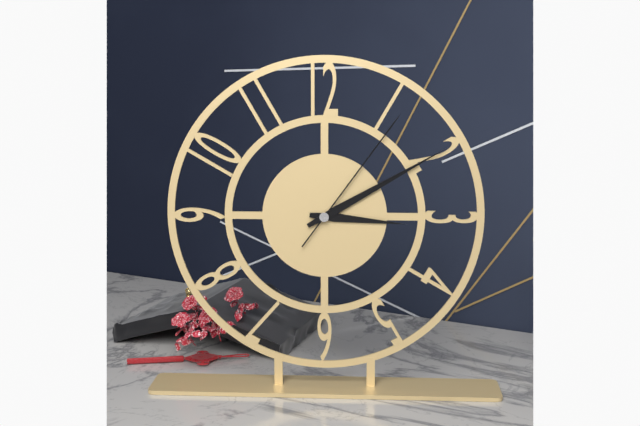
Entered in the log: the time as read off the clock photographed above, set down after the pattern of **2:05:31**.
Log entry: **3:10:06**
